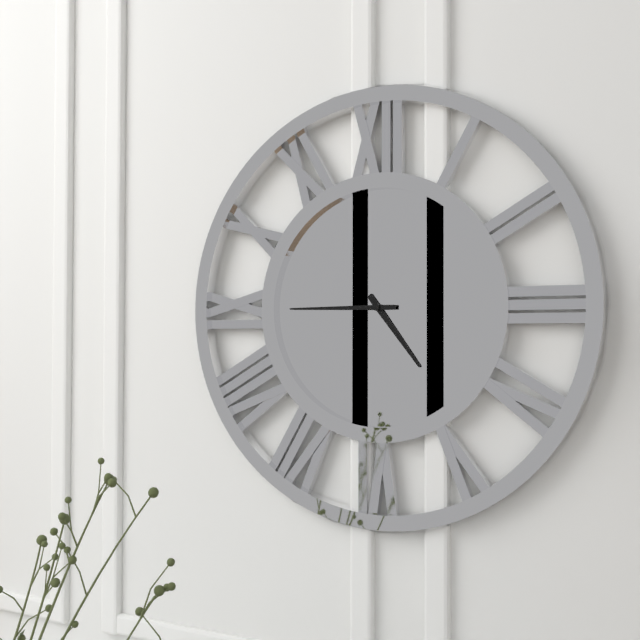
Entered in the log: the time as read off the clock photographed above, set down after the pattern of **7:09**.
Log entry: **4:45**
